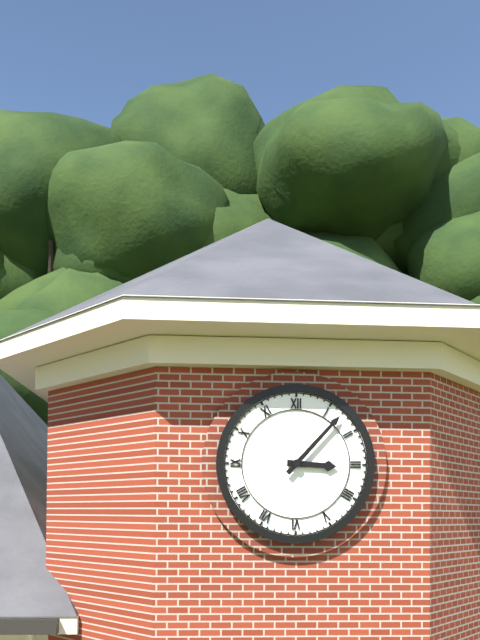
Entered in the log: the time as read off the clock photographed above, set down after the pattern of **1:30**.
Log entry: **3:07**
